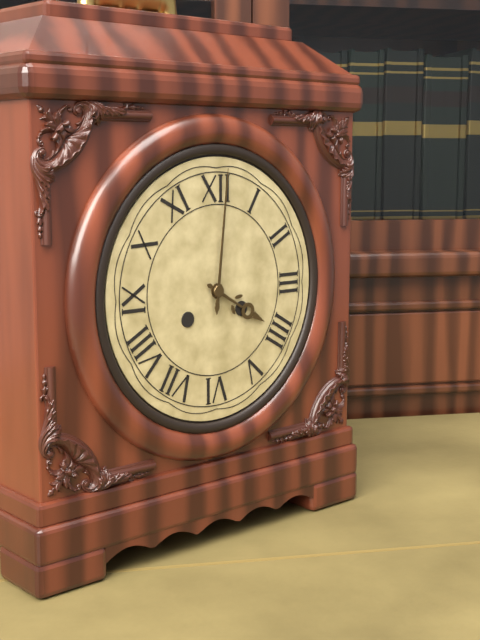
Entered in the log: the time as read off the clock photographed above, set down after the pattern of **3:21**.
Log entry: **4:01**
